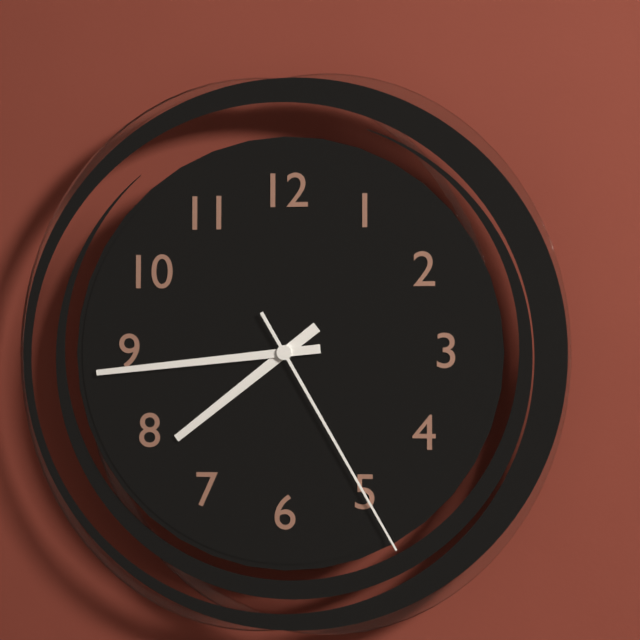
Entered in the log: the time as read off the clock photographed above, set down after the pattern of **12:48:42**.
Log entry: **7:44:25**
